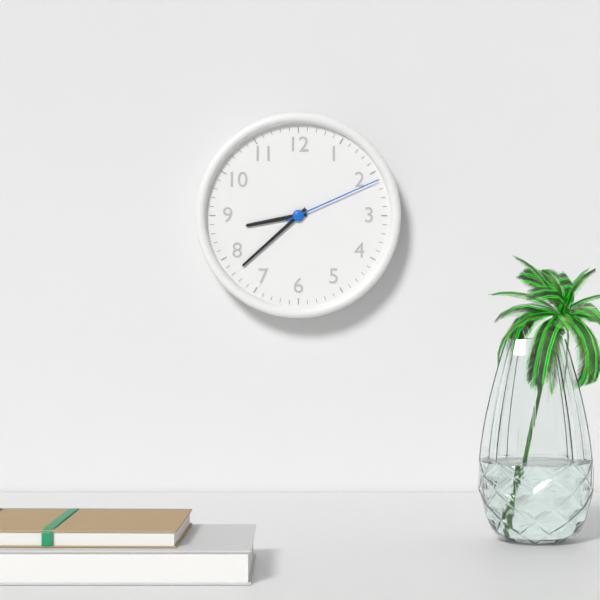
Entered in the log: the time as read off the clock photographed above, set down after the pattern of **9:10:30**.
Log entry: **8:38:11**
